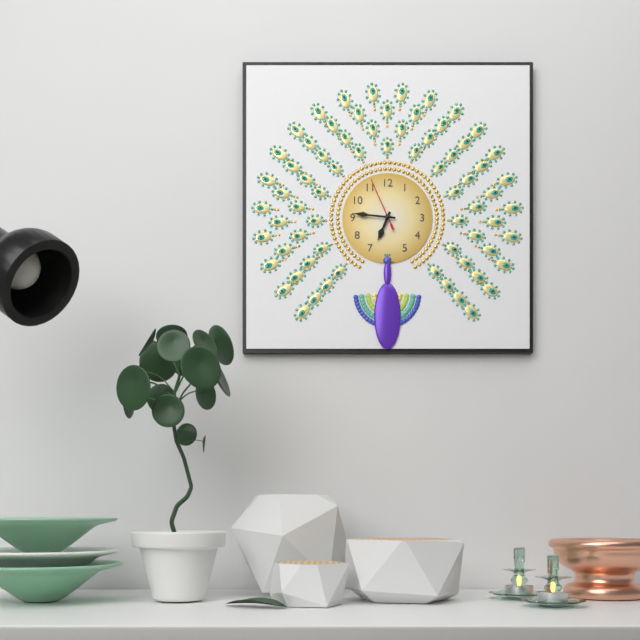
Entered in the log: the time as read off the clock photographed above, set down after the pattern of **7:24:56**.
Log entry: **6:46:56**
